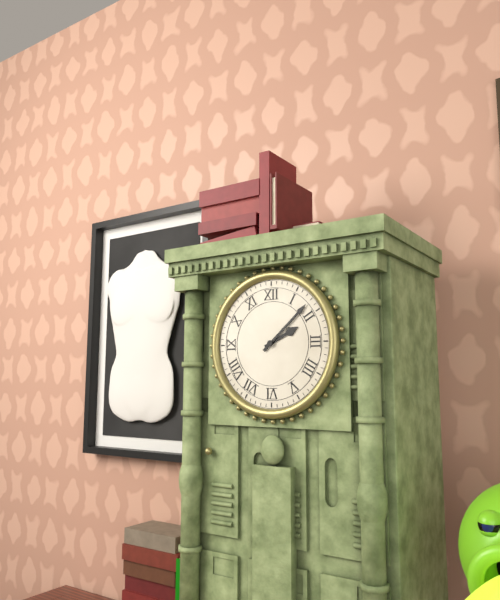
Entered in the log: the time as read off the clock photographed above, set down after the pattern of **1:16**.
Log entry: **2:08**
